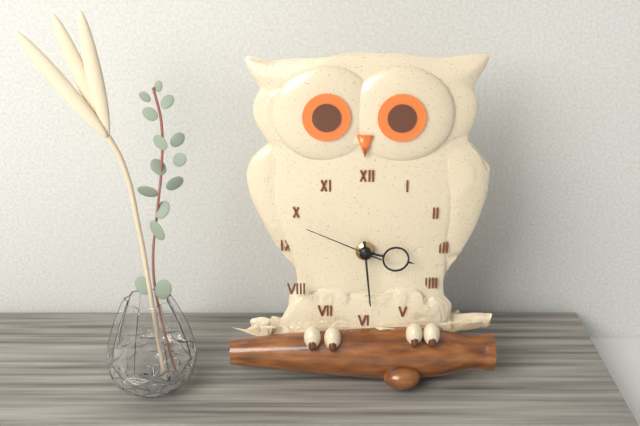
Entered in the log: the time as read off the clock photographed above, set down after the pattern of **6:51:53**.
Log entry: **3:29:49**
